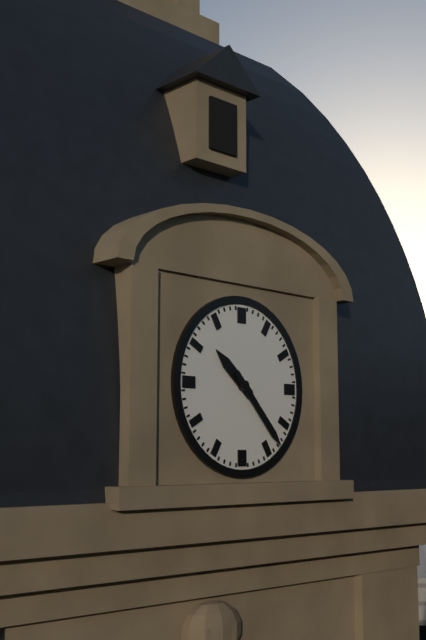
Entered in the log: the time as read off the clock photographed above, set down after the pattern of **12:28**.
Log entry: **10:23**
